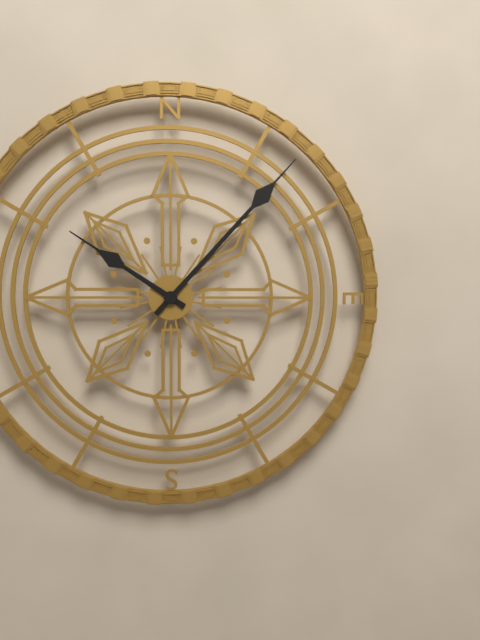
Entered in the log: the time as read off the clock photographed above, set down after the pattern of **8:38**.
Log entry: **10:07**
